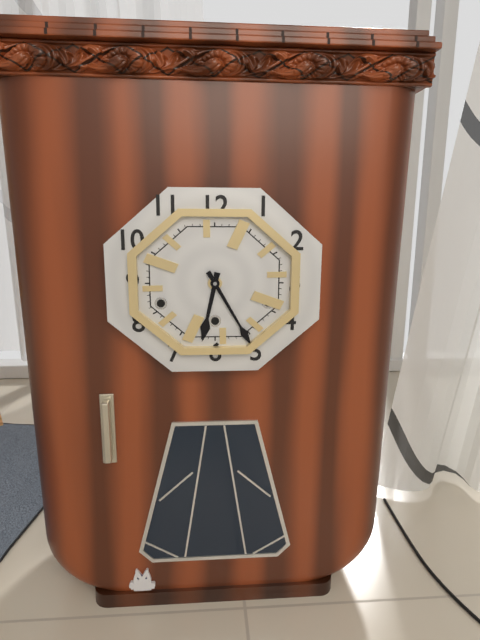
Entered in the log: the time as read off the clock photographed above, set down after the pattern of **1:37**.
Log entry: **6:25**
